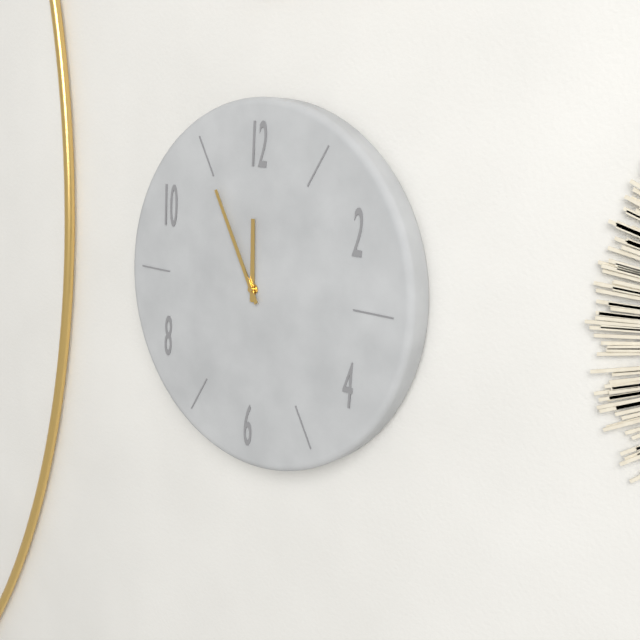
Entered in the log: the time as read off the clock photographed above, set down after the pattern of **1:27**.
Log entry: **11:55**
